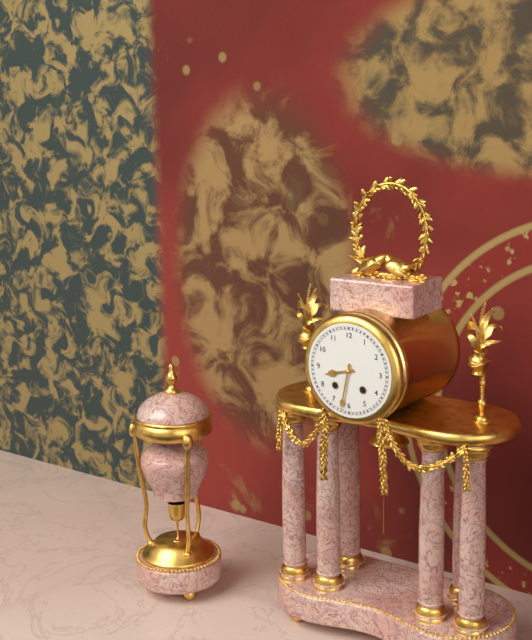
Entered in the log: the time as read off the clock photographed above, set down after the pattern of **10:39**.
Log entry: **8:32**
